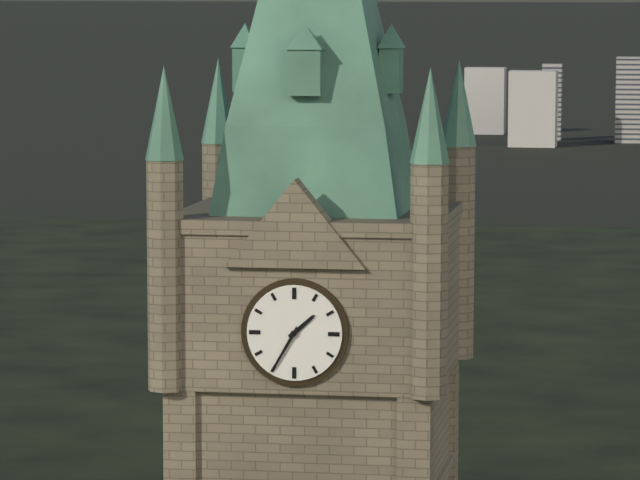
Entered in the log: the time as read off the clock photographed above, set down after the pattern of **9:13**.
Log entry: **1:35**
